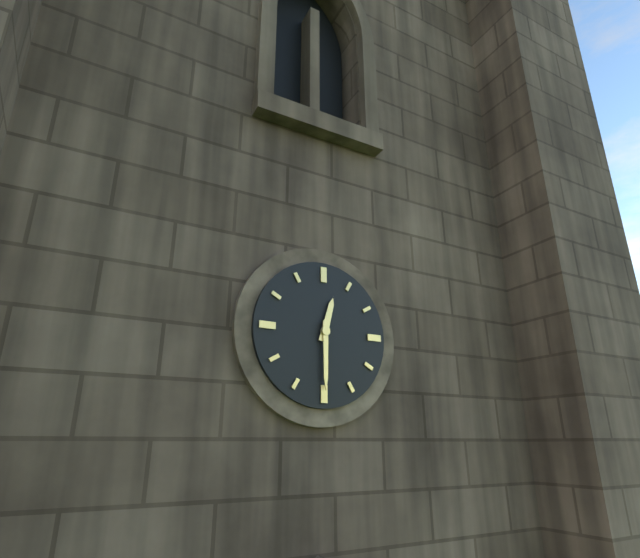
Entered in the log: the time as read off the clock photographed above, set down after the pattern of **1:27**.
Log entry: **12:30**
